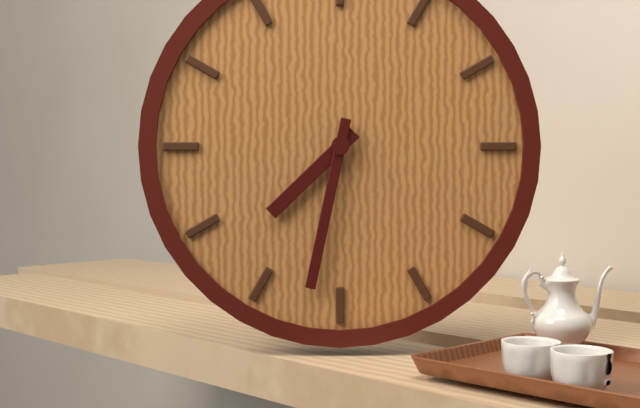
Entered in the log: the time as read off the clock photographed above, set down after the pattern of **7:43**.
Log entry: **7:32**
